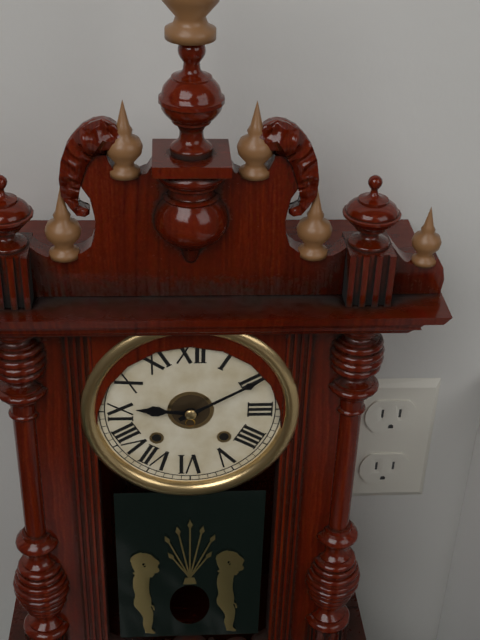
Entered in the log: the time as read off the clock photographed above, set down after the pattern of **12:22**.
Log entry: **9:10**
